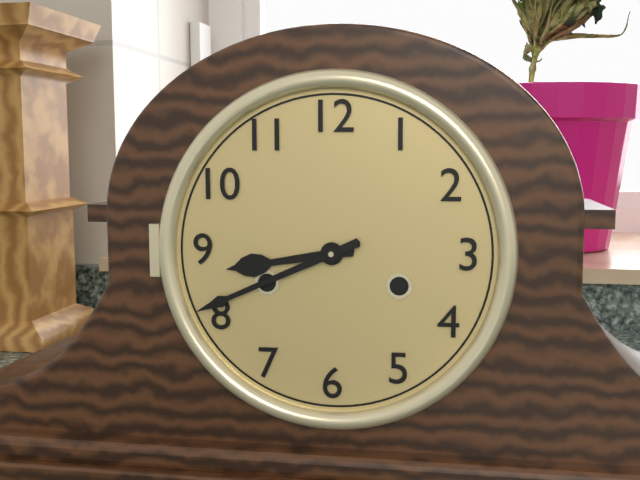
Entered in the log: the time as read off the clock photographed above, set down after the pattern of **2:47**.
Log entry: **8:41**
